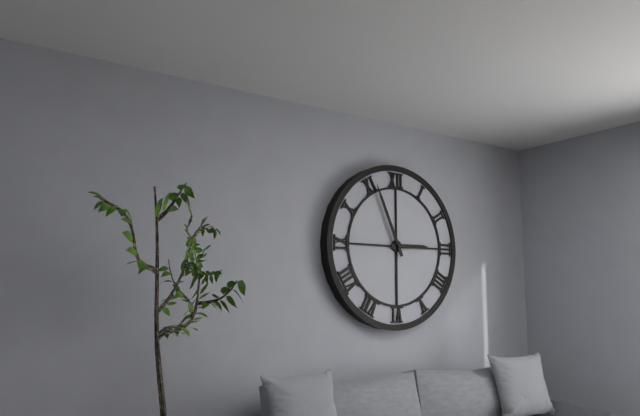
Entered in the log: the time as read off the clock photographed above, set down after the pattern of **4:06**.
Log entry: **2:56**
